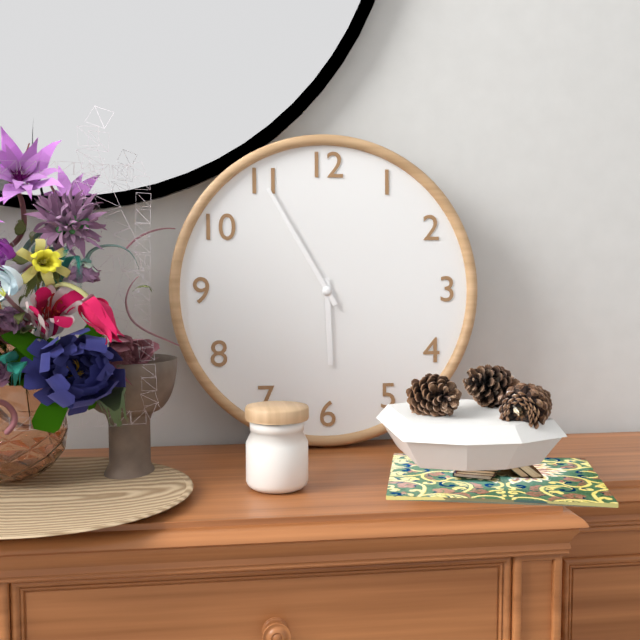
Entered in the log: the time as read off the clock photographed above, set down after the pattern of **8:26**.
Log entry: **5:55**
